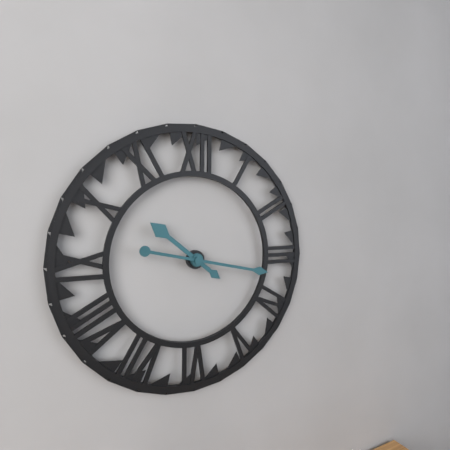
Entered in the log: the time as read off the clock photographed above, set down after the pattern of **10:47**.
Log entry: **10:17**
